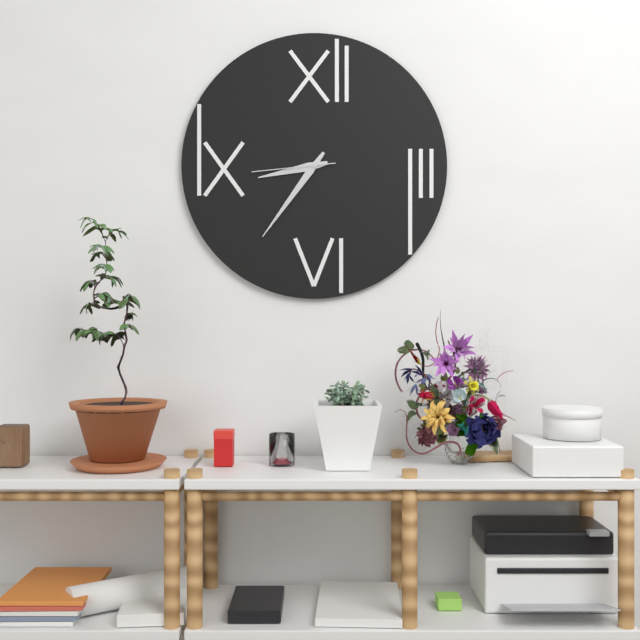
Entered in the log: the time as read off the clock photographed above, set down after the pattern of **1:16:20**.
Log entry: **8:36:44**
